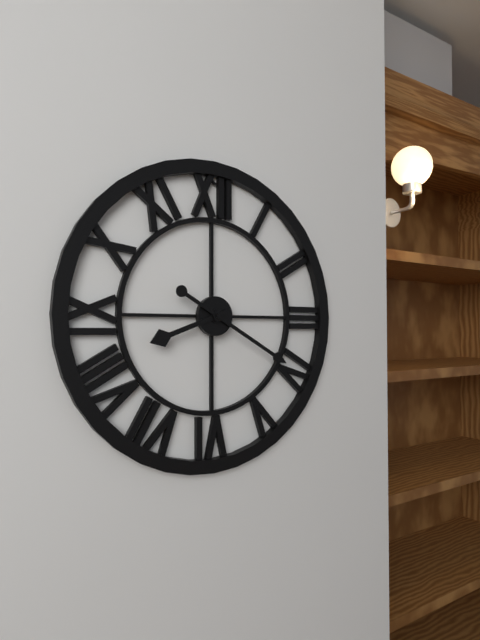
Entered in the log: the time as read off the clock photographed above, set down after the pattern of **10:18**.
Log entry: **8:20**
